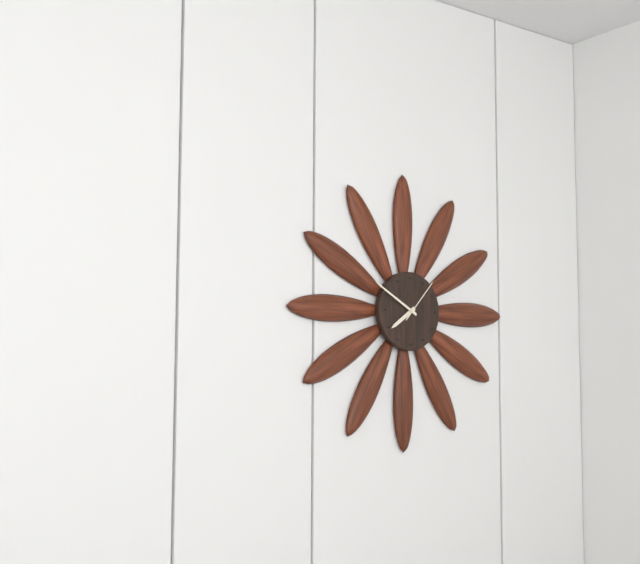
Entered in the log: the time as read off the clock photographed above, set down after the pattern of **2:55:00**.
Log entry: **7:50:07**
